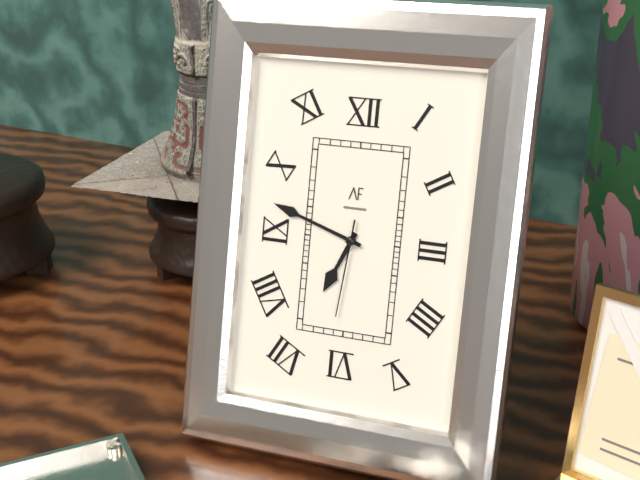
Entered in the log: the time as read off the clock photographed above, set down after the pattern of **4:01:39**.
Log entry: **6:48:31**
